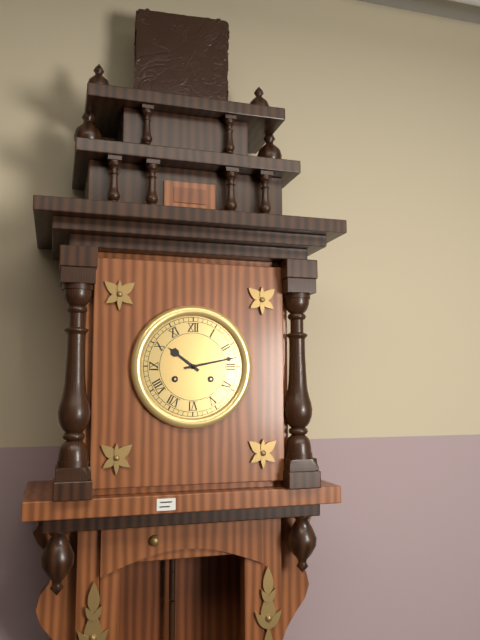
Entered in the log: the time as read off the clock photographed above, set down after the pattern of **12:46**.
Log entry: **10:13**
